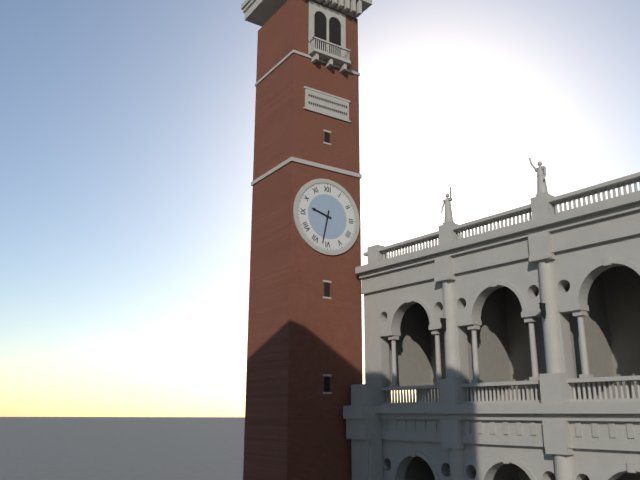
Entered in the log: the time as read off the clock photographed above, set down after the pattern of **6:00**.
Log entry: **9:32**
